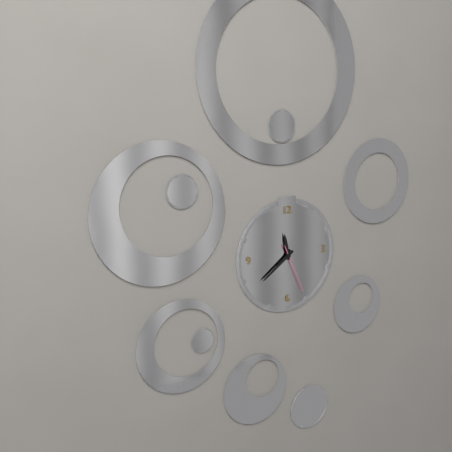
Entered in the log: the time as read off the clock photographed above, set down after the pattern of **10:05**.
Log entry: **11:39**
